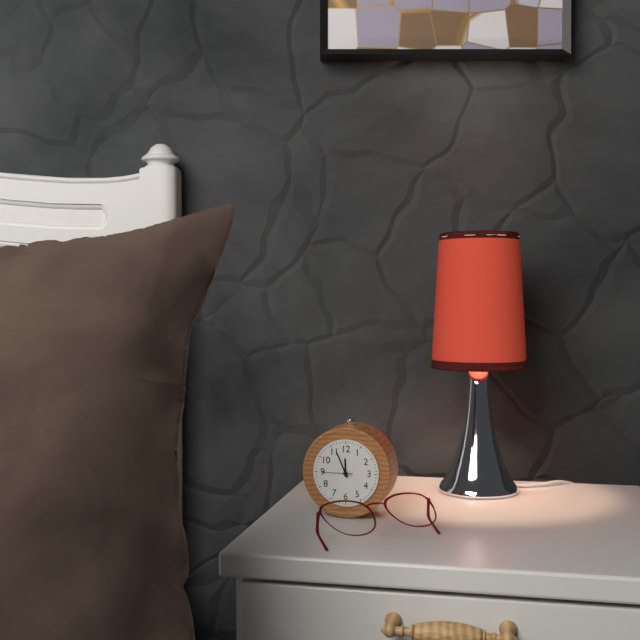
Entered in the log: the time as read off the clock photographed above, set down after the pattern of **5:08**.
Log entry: **11:56**
